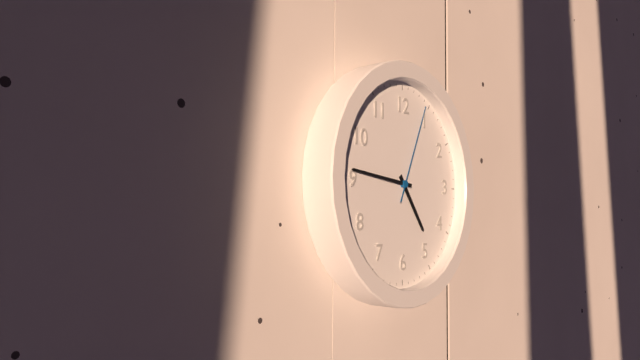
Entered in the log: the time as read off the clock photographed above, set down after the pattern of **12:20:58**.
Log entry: **4:46:04**
